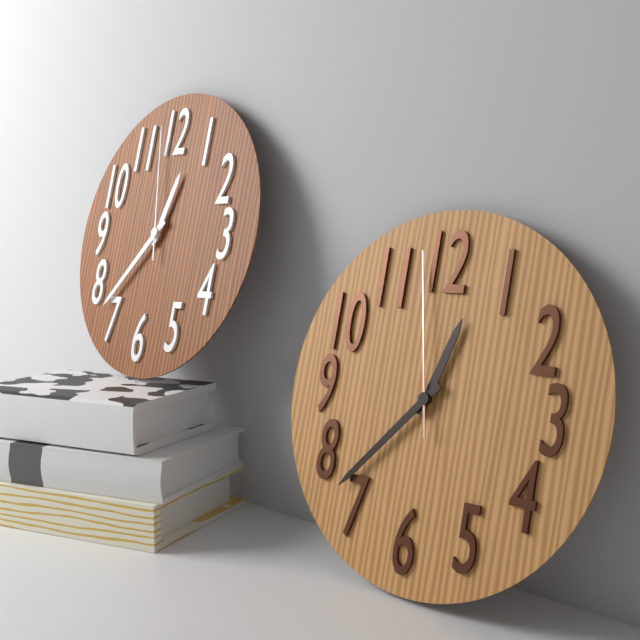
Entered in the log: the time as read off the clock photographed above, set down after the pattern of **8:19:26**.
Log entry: **12:37:58**
